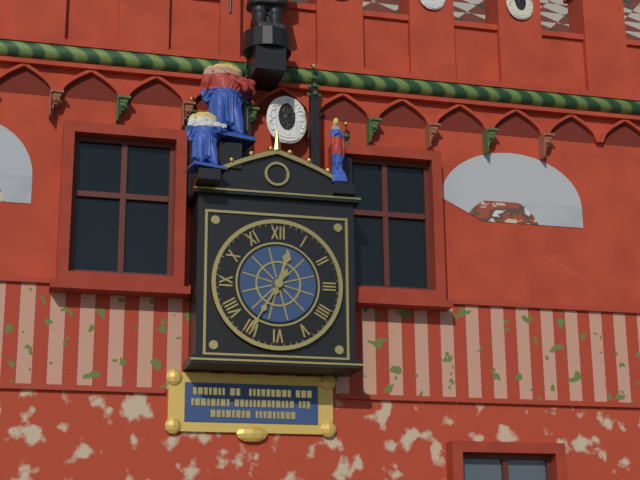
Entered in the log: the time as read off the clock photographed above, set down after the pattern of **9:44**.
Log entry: **12:35**
